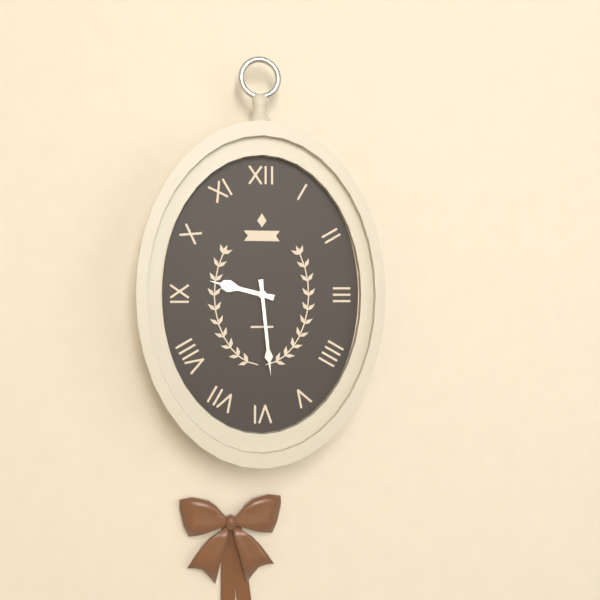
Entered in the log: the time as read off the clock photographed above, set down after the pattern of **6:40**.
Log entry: **9:29**
